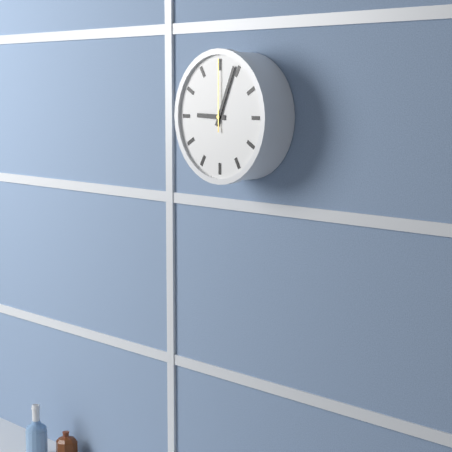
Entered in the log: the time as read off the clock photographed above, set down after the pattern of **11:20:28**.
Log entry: **9:04:00**
